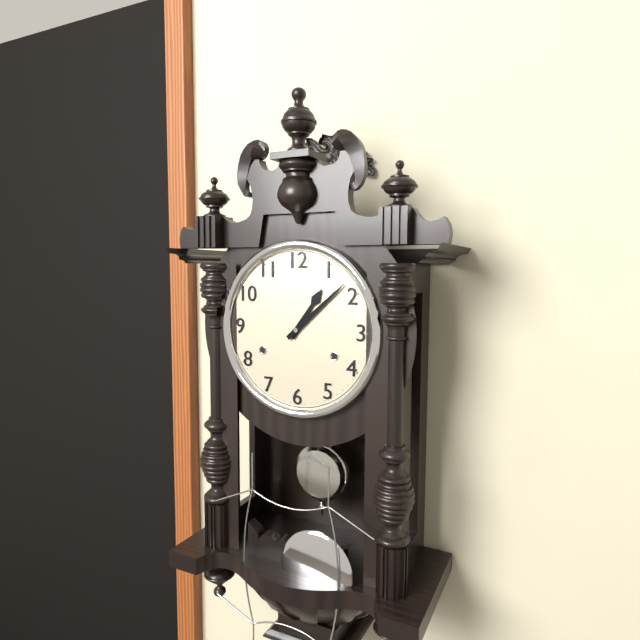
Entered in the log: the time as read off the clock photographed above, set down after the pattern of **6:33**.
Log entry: **1:08**
